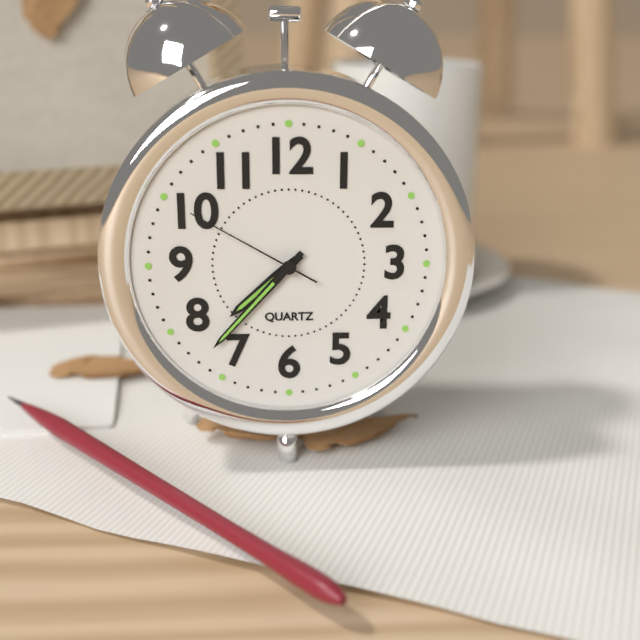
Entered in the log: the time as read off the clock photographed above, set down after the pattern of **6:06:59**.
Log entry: **7:37:50**
